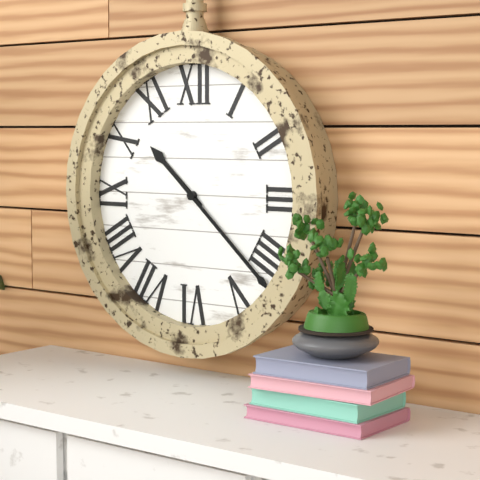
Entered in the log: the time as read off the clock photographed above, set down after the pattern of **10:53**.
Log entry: **10:22**
